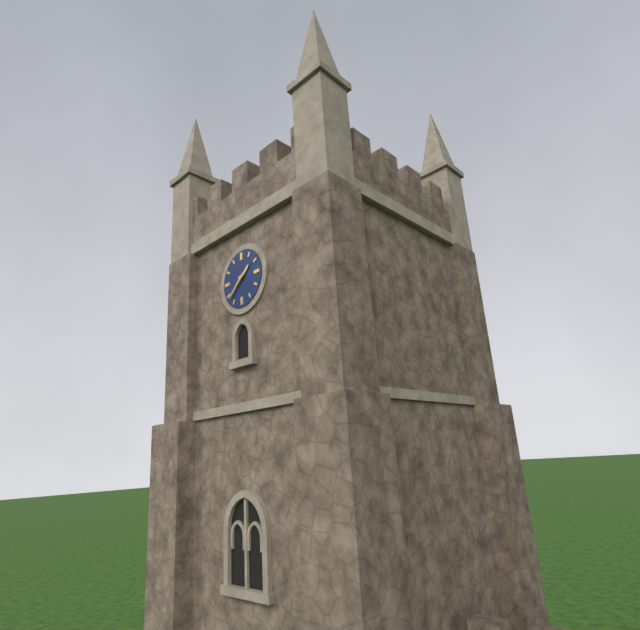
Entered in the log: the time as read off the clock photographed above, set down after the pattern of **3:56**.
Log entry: **1:38**
